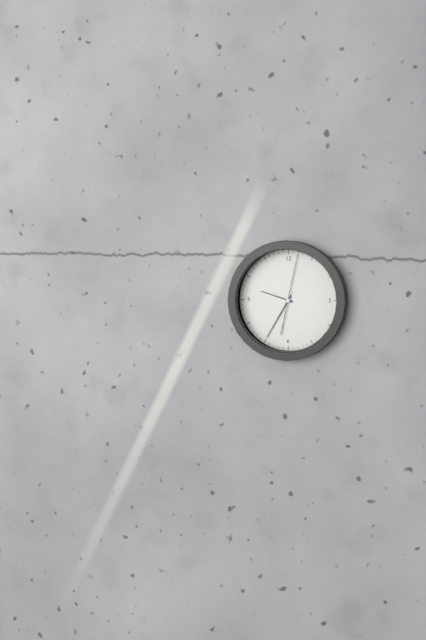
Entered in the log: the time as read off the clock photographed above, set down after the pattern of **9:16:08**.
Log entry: **9:35:02**
